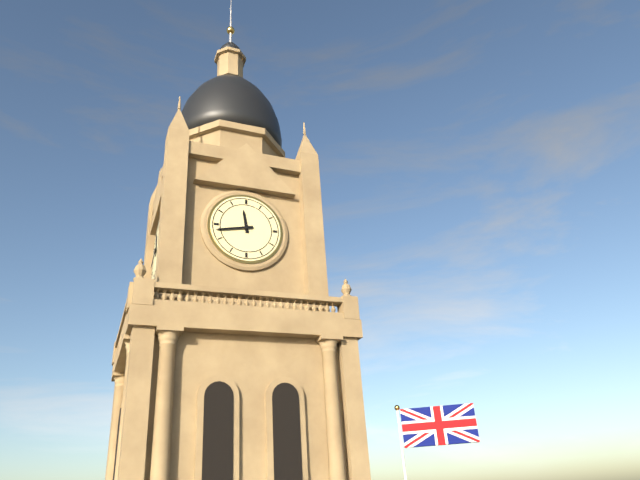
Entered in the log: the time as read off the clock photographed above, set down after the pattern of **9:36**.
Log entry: **11:43**
